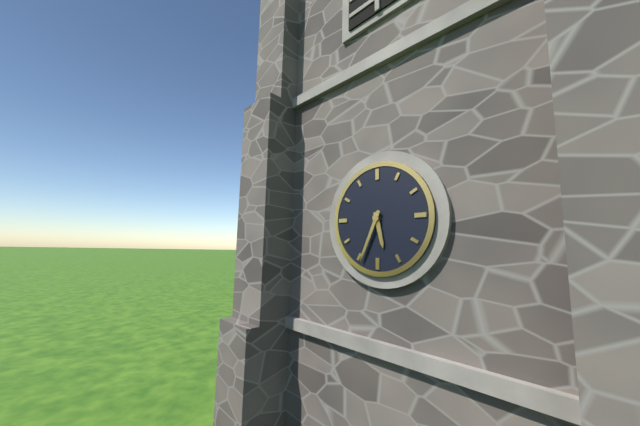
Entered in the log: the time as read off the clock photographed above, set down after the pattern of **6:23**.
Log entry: **5:34**
